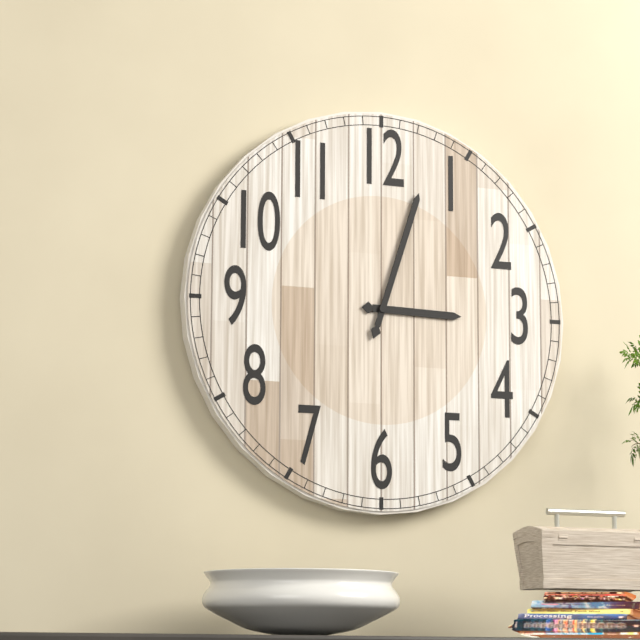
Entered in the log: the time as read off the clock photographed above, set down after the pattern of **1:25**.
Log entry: **3:03**
